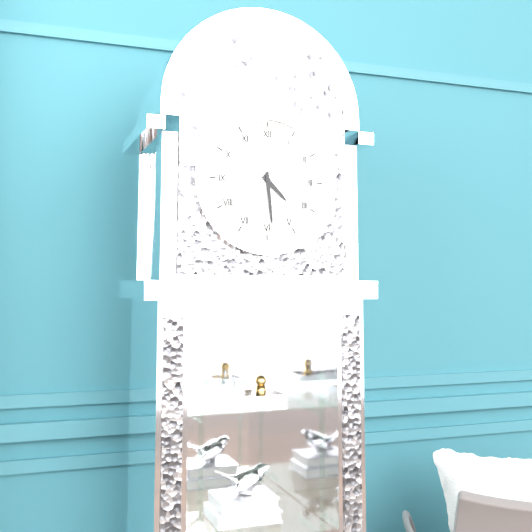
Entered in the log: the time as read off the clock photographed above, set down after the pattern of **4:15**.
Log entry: **4:29**
